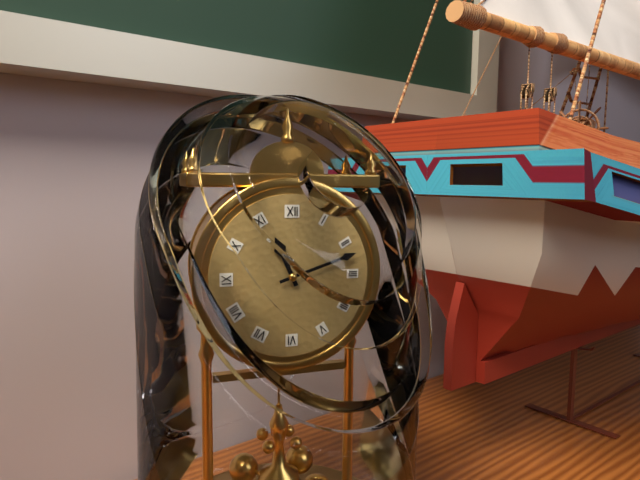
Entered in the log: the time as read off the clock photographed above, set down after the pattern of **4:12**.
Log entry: **11:12**
